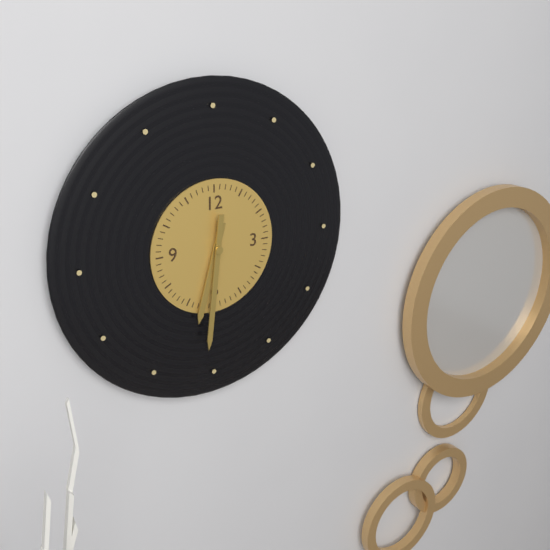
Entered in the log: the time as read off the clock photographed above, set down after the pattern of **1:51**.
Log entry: **6:31**
